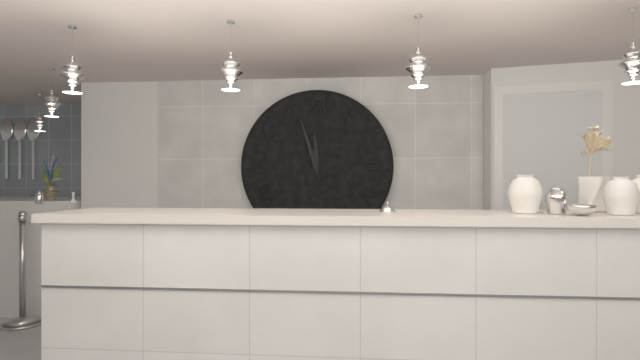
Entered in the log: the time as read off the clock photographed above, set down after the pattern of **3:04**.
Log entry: **11:57**
